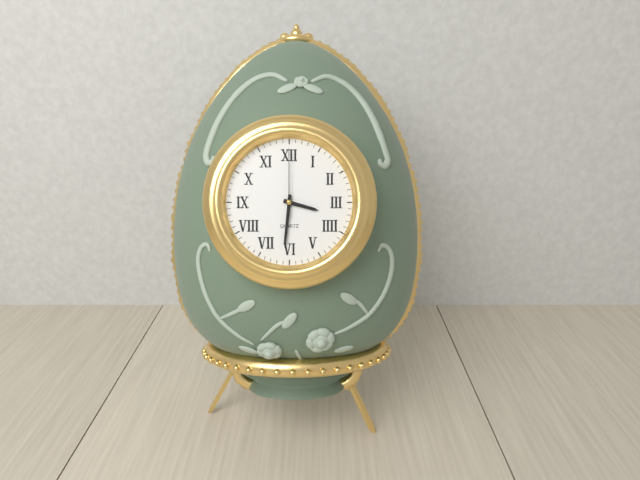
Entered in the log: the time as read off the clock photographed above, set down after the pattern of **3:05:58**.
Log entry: **3:31:00**
